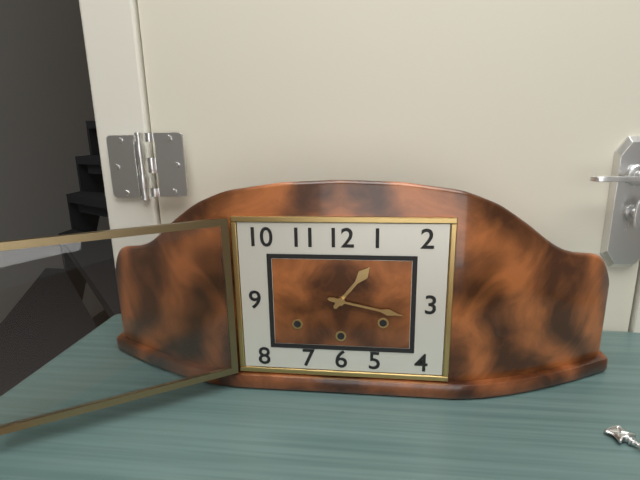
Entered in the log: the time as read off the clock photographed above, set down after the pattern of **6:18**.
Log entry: **1:17**
